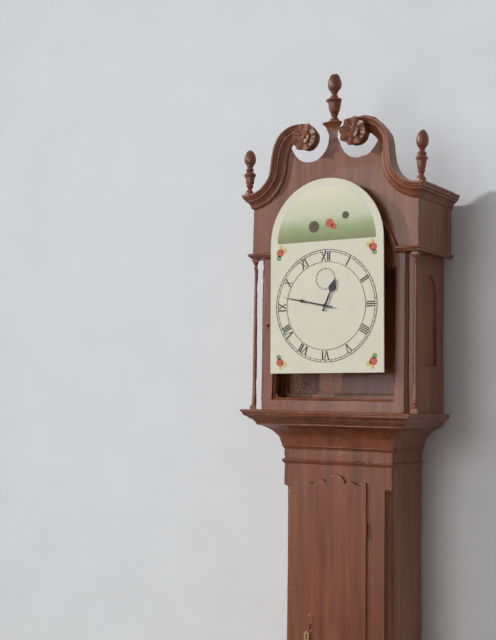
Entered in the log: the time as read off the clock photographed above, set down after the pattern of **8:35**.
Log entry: **12:47**
